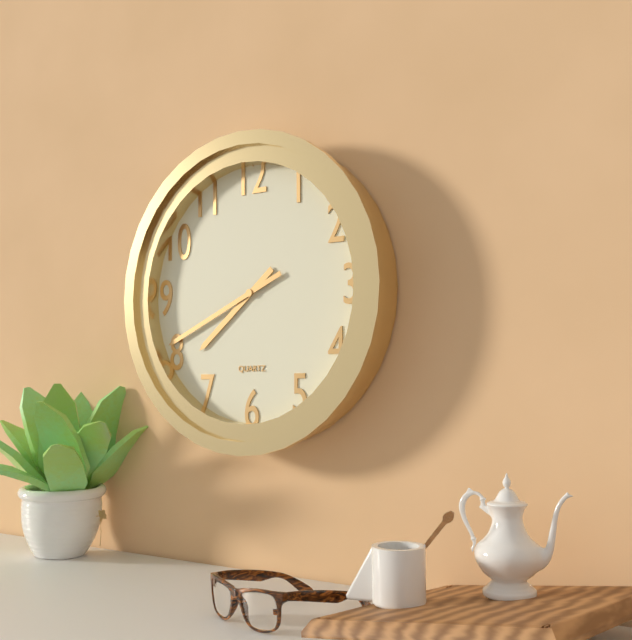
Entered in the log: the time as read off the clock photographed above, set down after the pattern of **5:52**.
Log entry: **7:41**
